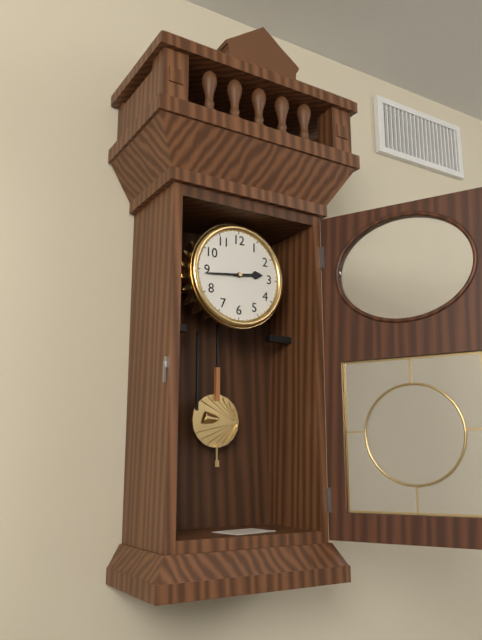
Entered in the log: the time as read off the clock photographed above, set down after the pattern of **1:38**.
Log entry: **2:44**
